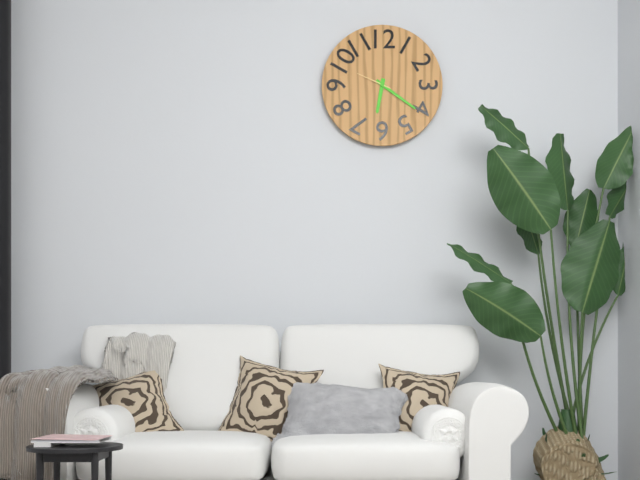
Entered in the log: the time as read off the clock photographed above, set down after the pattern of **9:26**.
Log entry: **6:21**
